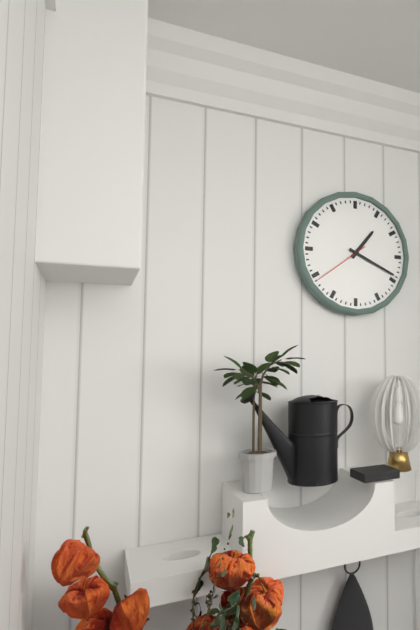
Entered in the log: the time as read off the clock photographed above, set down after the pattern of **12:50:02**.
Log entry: **1:19:39**
